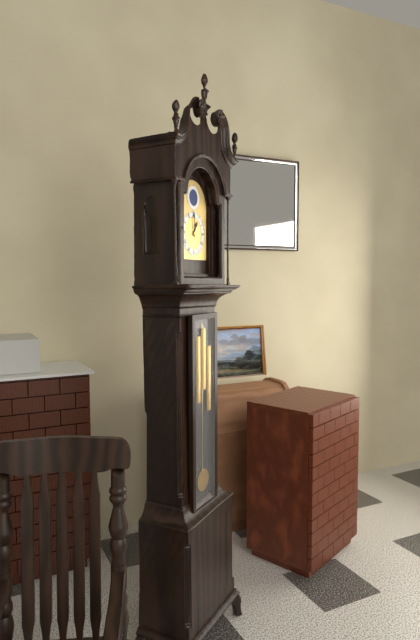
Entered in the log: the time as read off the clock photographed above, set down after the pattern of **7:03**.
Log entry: **1:00**
